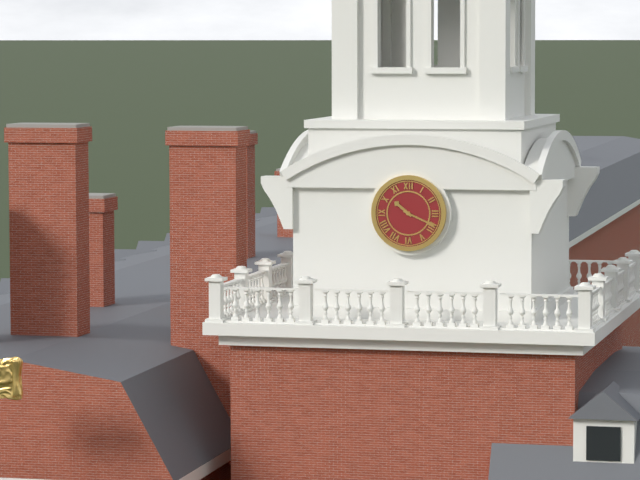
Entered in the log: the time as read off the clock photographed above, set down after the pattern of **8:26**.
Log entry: **10:19**
